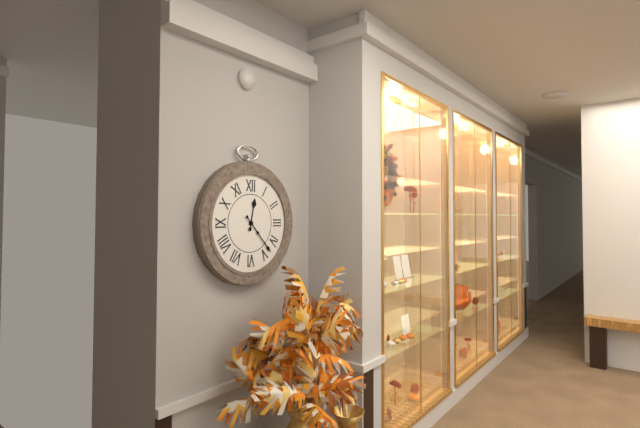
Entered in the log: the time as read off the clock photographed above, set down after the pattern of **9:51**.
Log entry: **12:23**
